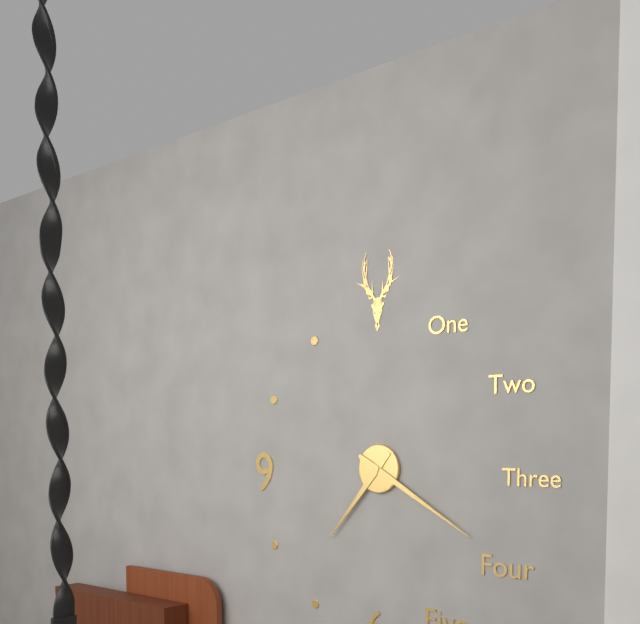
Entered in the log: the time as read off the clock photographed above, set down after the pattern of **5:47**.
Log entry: **7:20**
